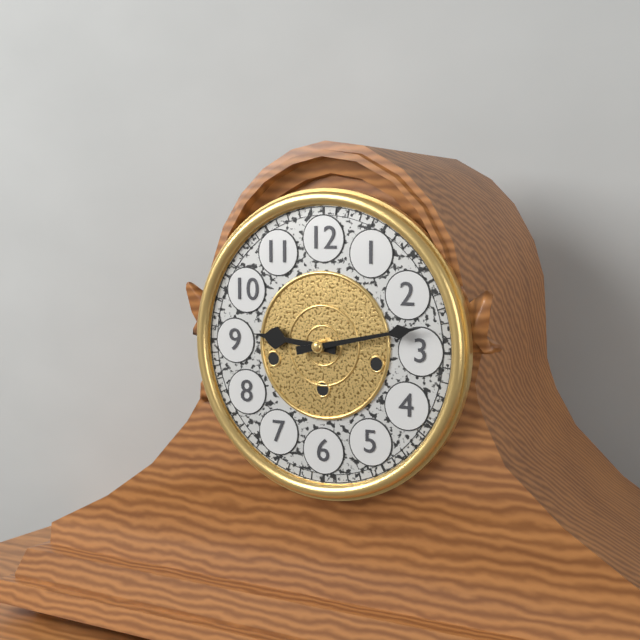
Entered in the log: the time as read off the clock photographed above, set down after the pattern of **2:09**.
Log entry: **9:13**
